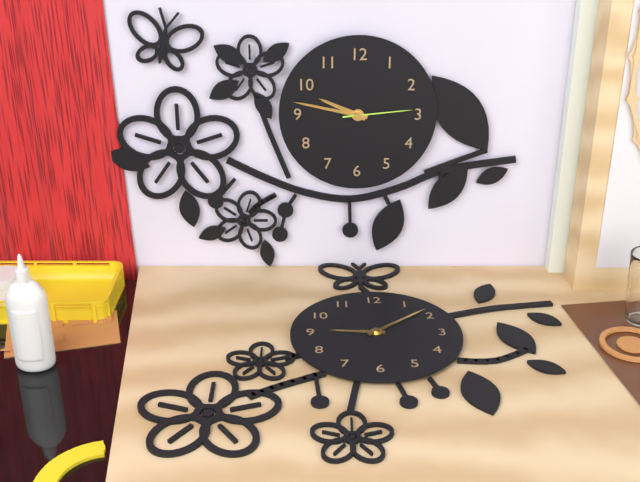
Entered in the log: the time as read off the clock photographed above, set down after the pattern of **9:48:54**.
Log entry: **9:47:14**
